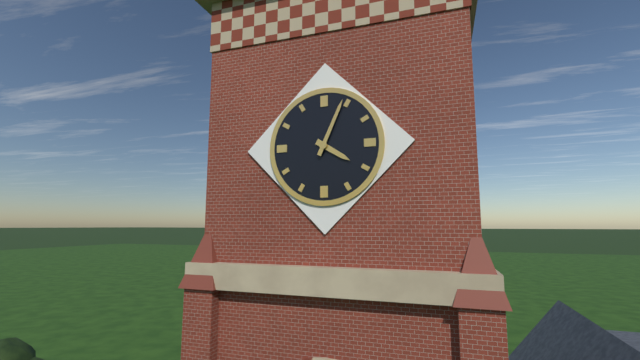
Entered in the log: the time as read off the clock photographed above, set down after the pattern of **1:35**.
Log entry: **4:04**
